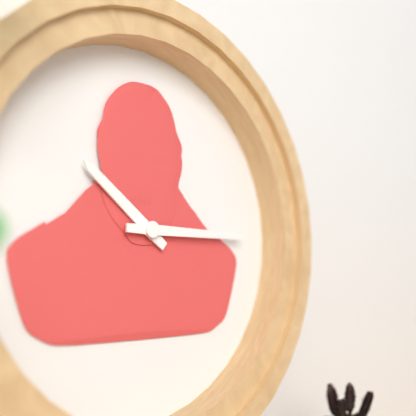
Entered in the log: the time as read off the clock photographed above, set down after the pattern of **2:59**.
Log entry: **10:15**
